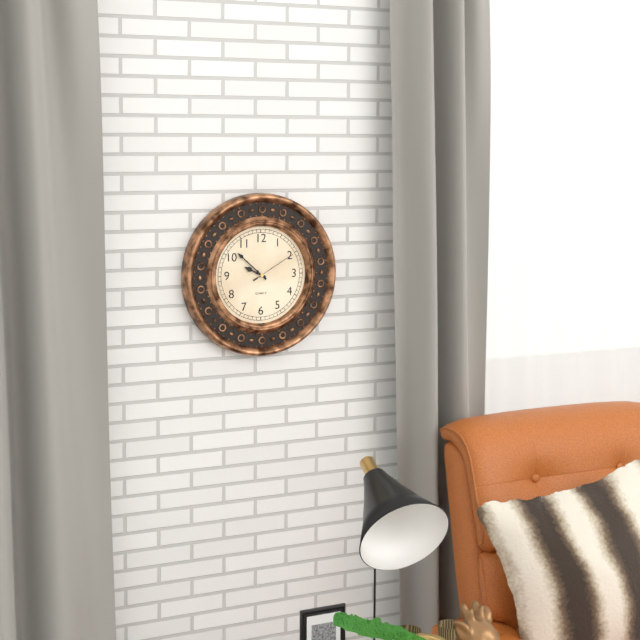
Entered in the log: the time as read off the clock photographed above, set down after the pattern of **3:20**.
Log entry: **9:52**
